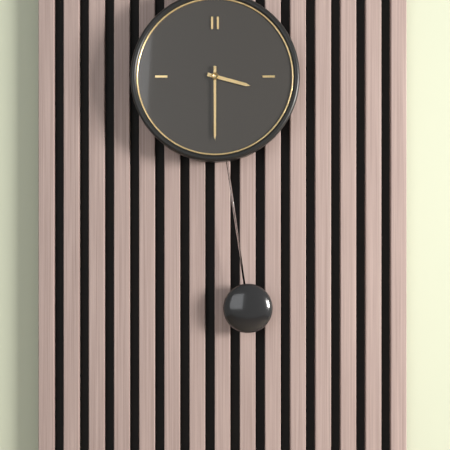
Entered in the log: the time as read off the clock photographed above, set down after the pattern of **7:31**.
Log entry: **3:30**
